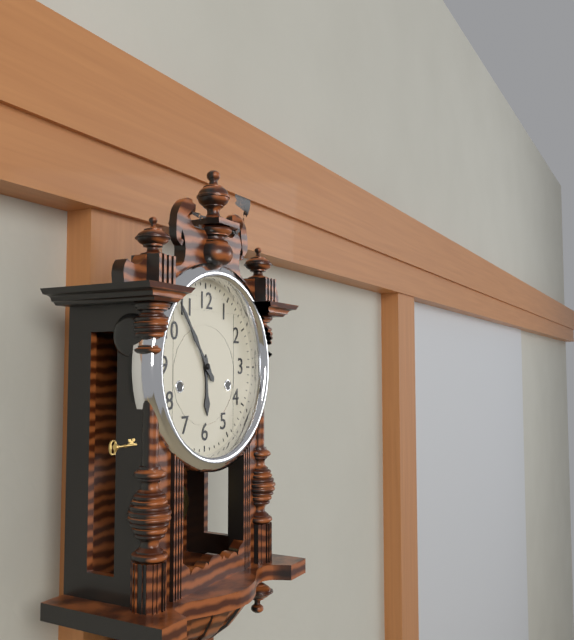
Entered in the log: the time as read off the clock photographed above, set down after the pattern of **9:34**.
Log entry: **5:54**
